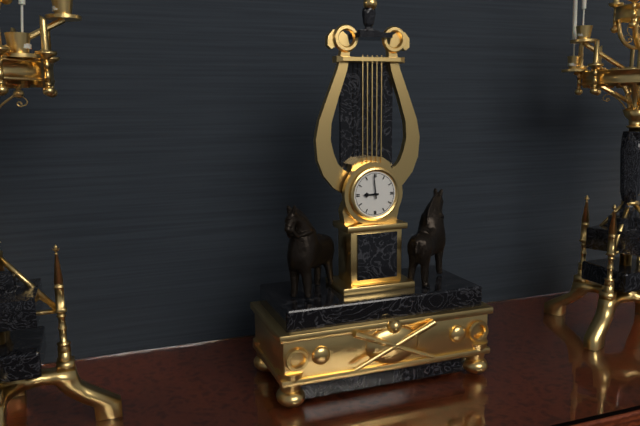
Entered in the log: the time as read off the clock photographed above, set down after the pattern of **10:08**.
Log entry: **8:59**
